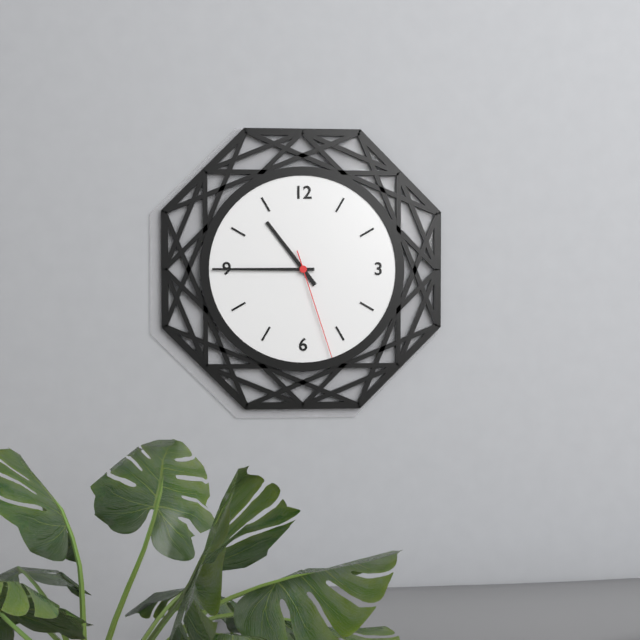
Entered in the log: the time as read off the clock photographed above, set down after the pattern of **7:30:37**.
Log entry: **10:45:27**
